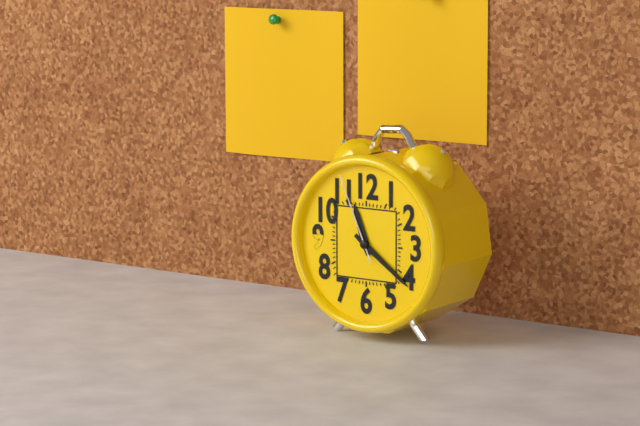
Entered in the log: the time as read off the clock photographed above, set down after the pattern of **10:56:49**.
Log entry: **11:21:56**
